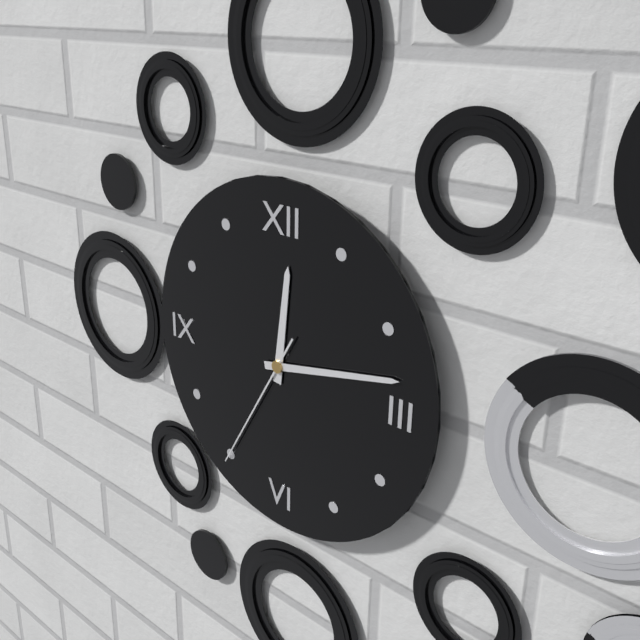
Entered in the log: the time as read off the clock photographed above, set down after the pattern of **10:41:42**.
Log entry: **12:13:35**
